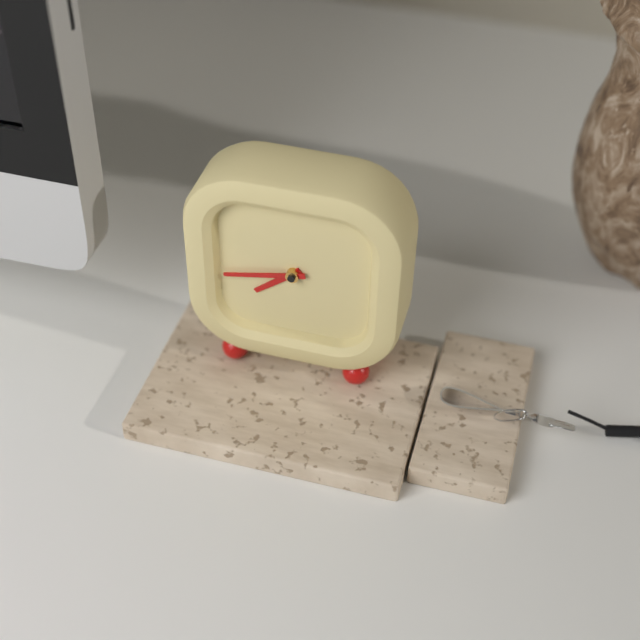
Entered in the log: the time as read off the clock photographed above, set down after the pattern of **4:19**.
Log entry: **7:43**
